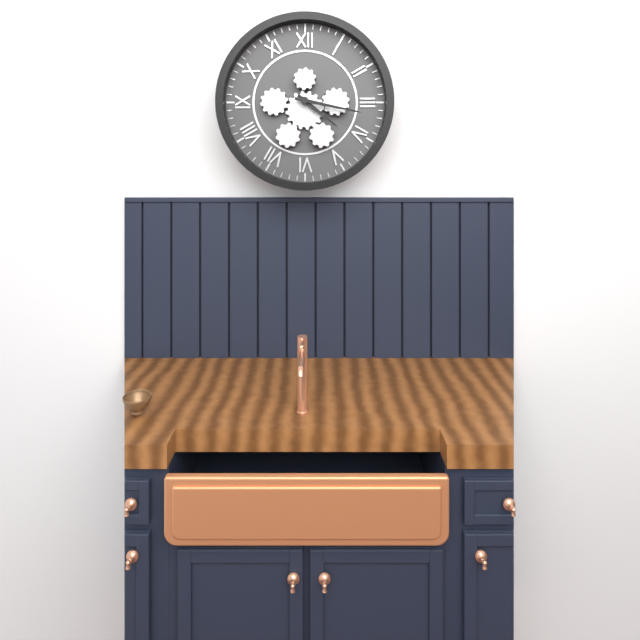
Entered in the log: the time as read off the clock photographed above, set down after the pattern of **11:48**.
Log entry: **4:17**
